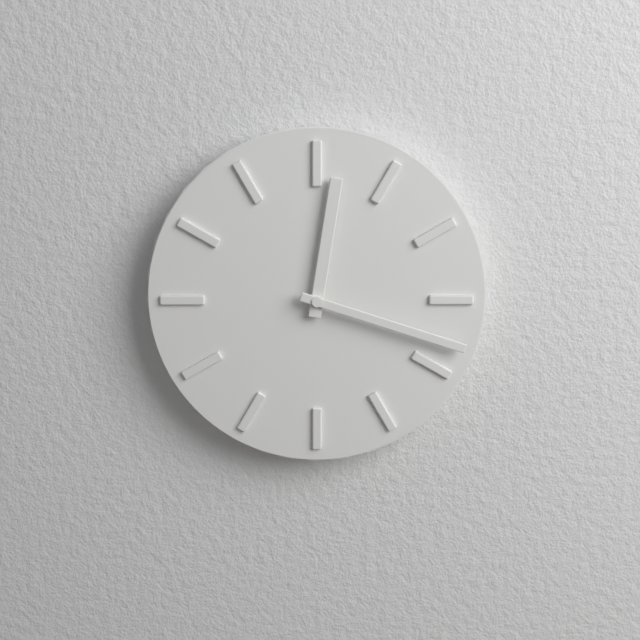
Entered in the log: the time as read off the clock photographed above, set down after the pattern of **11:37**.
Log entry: **12:18**
